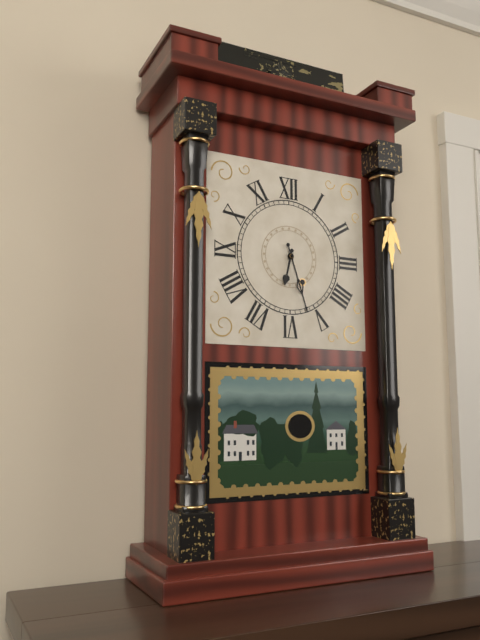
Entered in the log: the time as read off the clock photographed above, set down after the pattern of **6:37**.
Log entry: **6:27**
